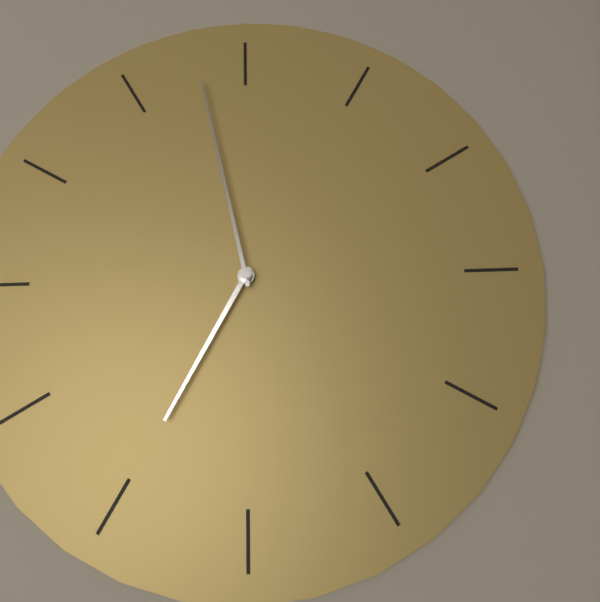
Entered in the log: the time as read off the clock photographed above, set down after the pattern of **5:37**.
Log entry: **6:58**
